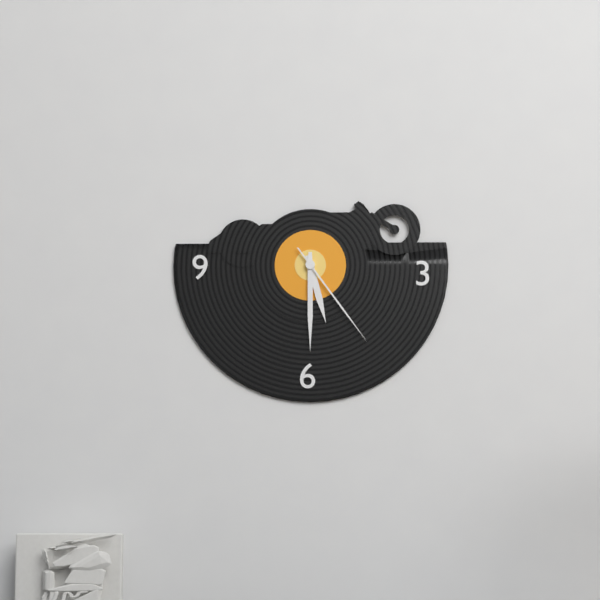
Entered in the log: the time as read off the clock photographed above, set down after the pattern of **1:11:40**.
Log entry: **5:30:24**
